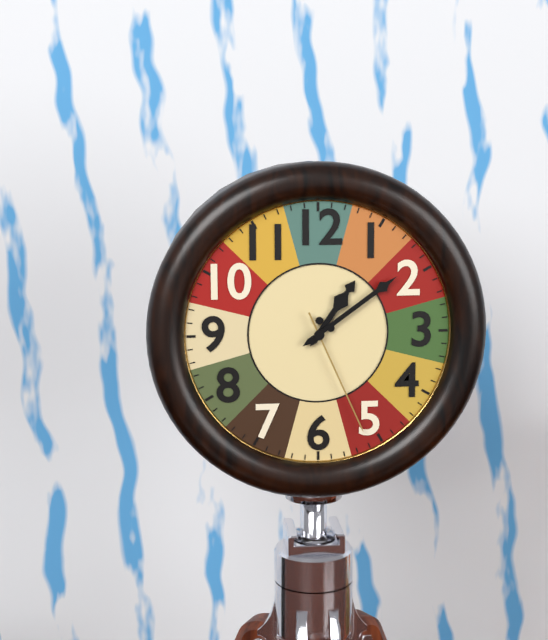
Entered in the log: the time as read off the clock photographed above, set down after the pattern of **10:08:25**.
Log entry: **1:09:26**
